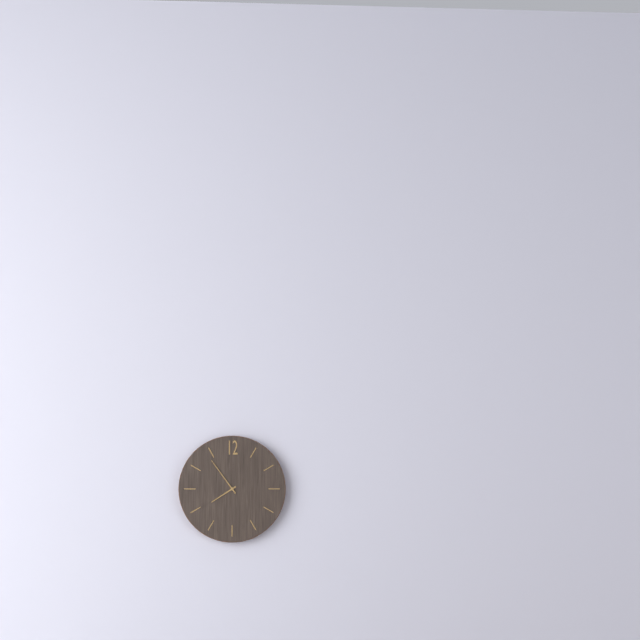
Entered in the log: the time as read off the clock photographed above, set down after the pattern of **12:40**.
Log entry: **7:54**
